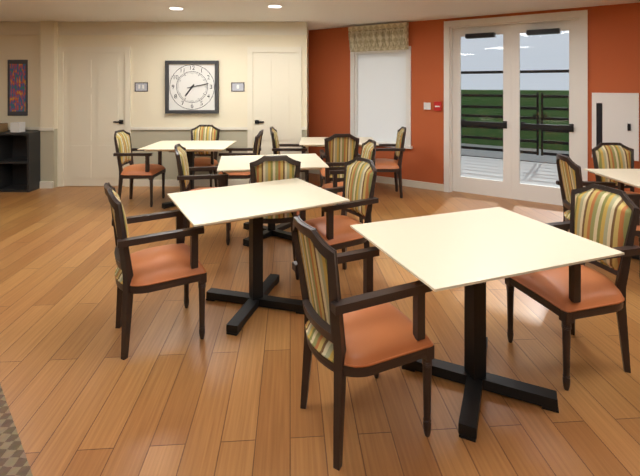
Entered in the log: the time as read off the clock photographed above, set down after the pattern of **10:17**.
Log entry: **7:13**
